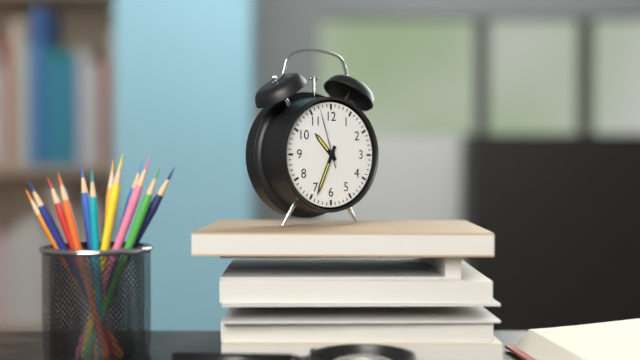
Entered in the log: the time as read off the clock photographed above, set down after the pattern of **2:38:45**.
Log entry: **10:34:57**
